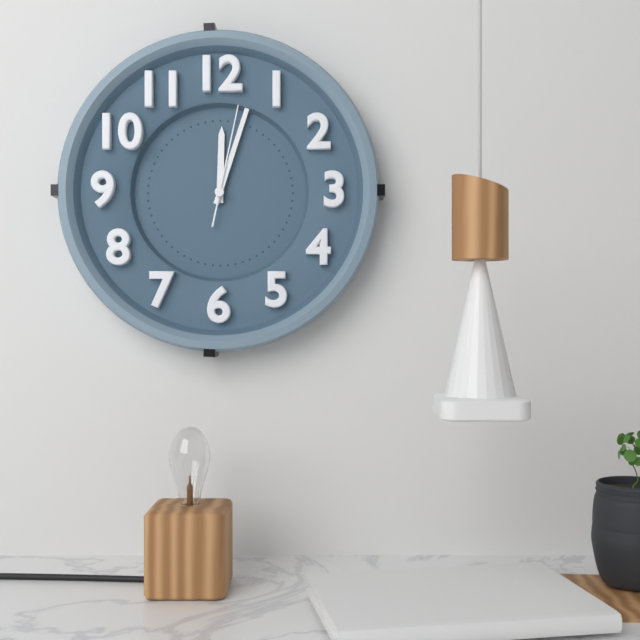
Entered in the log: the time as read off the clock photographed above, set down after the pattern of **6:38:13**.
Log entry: **12:03:02**
